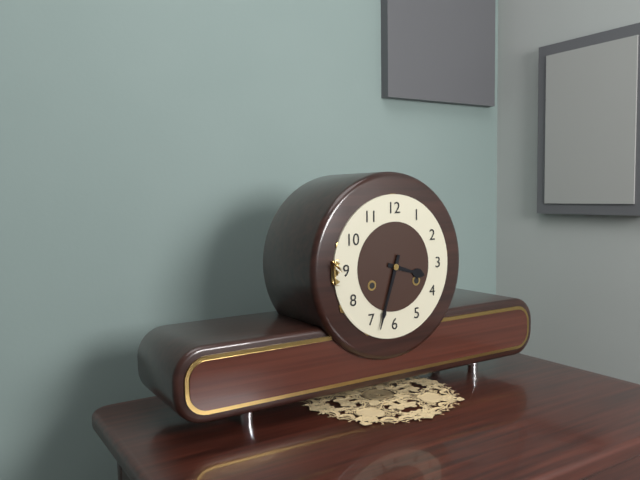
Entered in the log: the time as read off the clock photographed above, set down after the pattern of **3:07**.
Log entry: **3:33**
